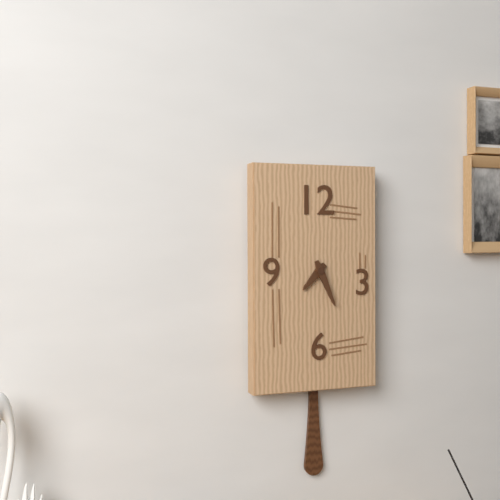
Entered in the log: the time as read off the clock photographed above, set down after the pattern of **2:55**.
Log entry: **7:26**
